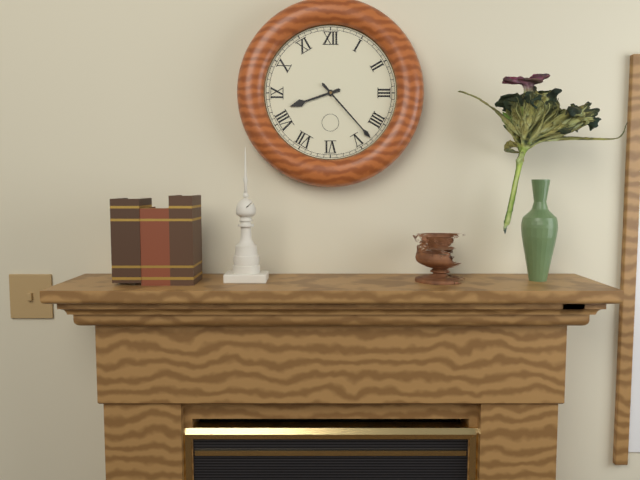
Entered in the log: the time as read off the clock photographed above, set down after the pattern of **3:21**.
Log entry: **8:23**
